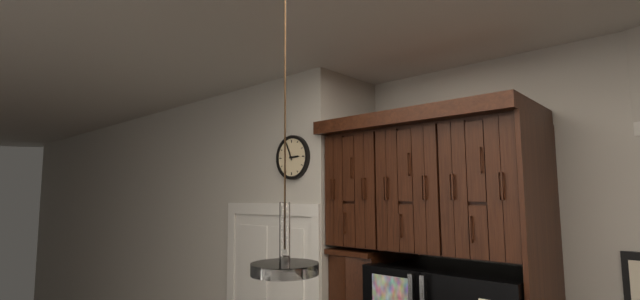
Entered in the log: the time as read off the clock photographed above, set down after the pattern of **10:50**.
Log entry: **2:56**
